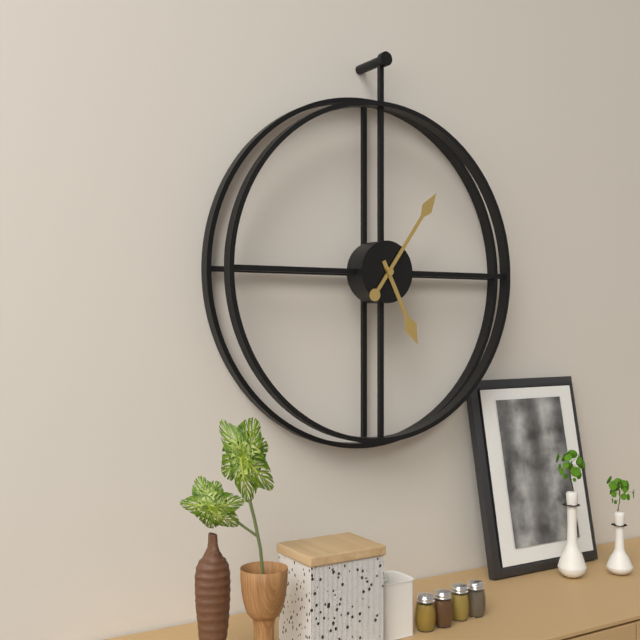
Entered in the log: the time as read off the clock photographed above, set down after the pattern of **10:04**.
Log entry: **5:06**
